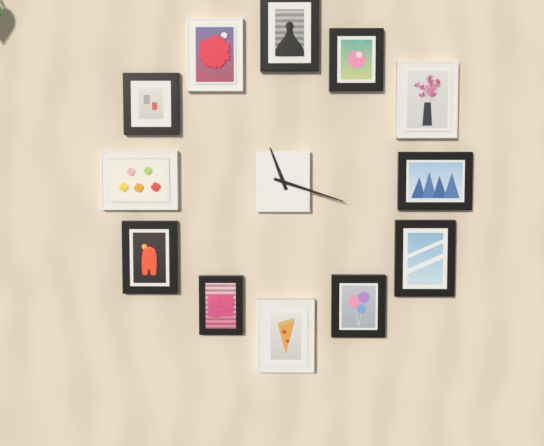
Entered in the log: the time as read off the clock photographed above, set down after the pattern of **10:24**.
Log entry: **11:18**
